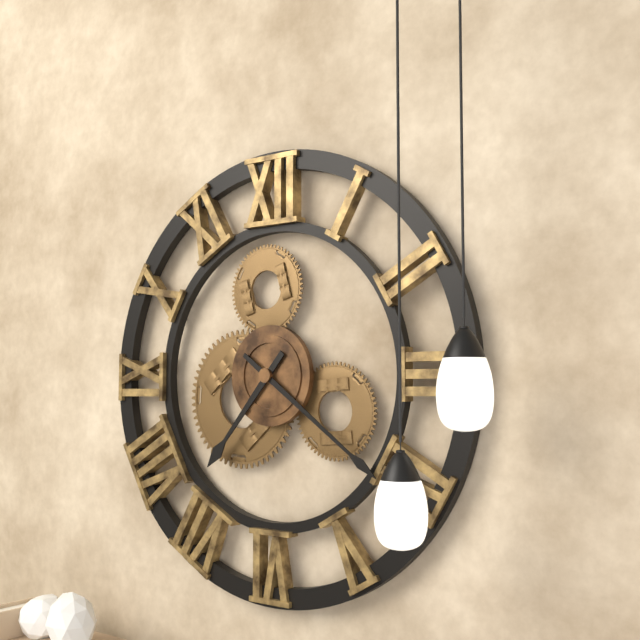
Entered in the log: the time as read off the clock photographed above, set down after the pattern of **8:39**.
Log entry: **7:21**
